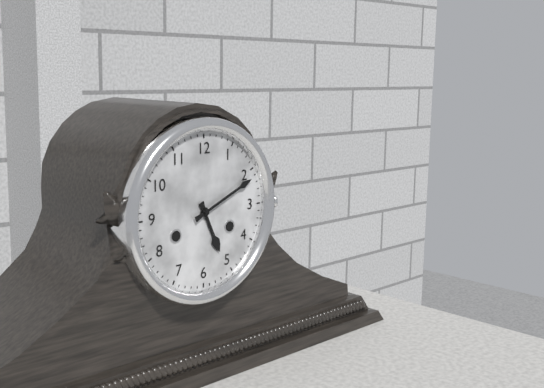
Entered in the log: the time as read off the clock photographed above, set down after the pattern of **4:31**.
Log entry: **5:11**
